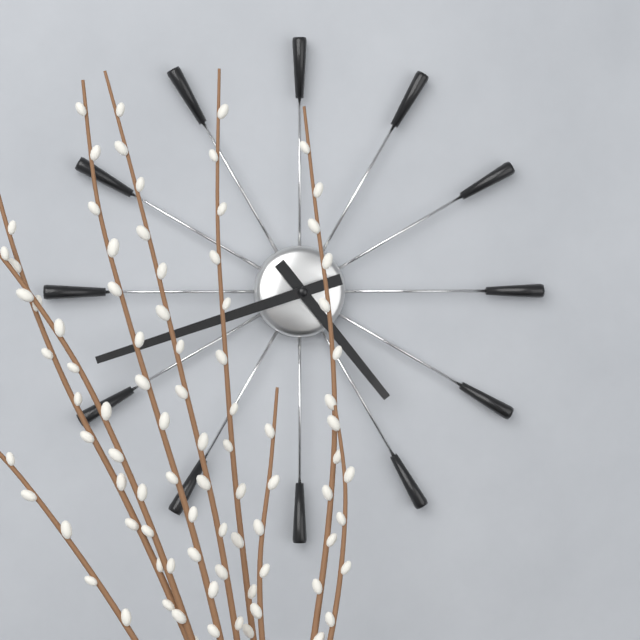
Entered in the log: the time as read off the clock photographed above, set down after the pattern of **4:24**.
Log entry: **4:42**
